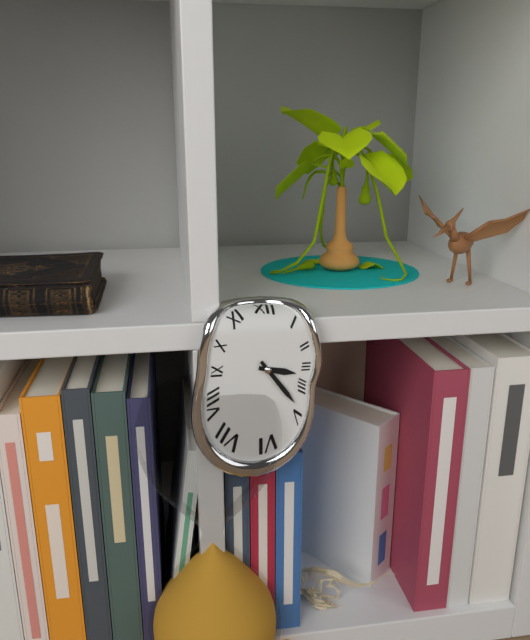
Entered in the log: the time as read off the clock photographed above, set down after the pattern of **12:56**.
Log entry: **3:24**
